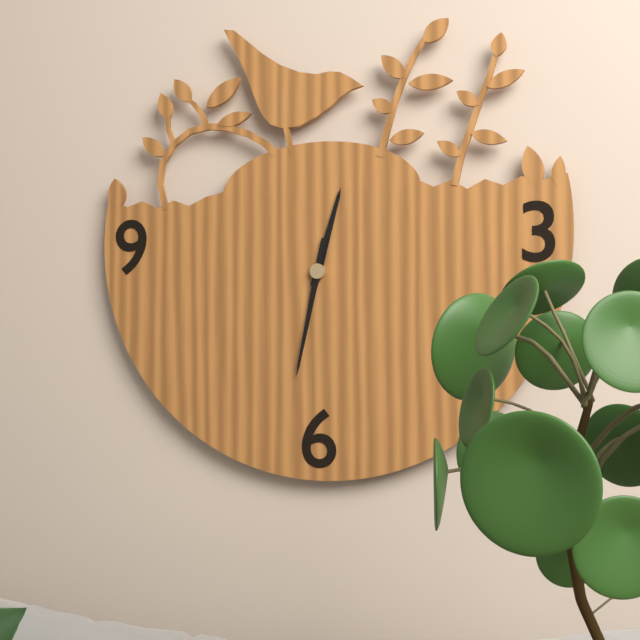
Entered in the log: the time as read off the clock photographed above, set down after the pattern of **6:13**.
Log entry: **12:32**
